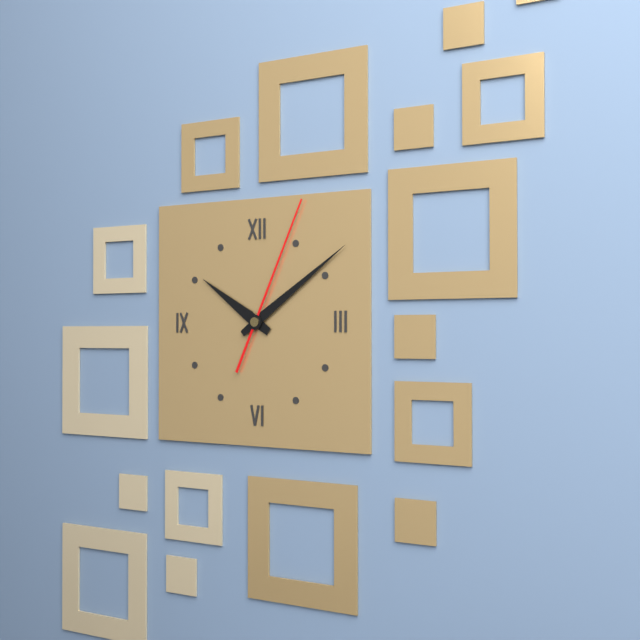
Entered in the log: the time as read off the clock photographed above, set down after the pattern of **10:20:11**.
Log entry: **10:09:04**
